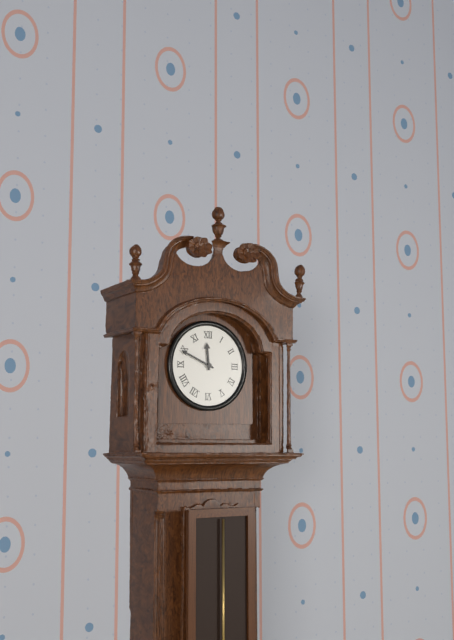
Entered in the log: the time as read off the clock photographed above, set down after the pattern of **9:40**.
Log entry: **11:49**
